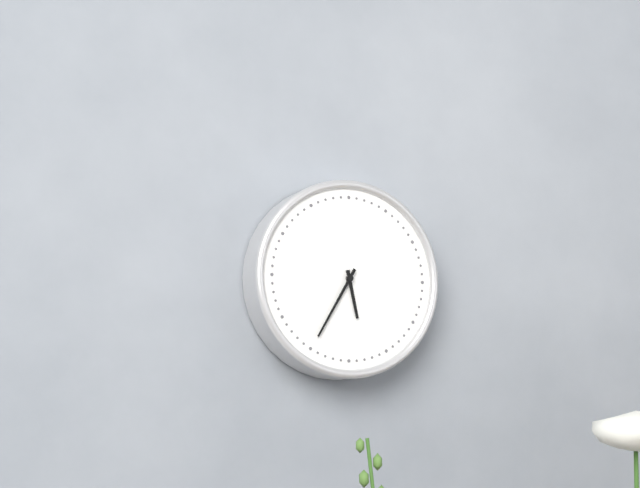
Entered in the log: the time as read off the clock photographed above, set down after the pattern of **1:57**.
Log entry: **5:35**
